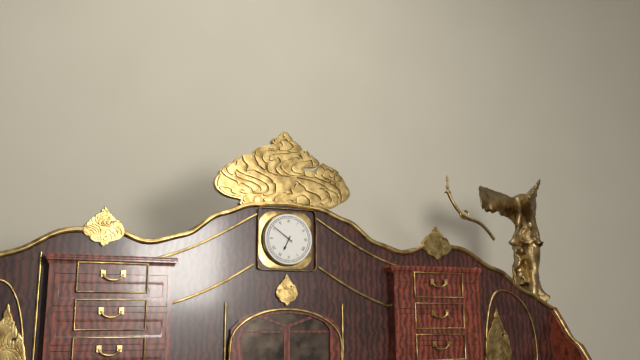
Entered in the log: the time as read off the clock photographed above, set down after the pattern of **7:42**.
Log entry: **6:51**
